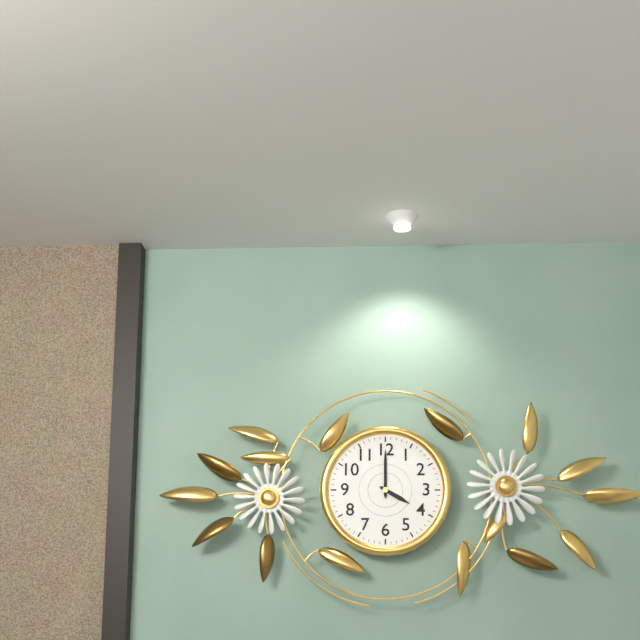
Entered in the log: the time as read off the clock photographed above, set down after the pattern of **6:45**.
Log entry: **4:00**
